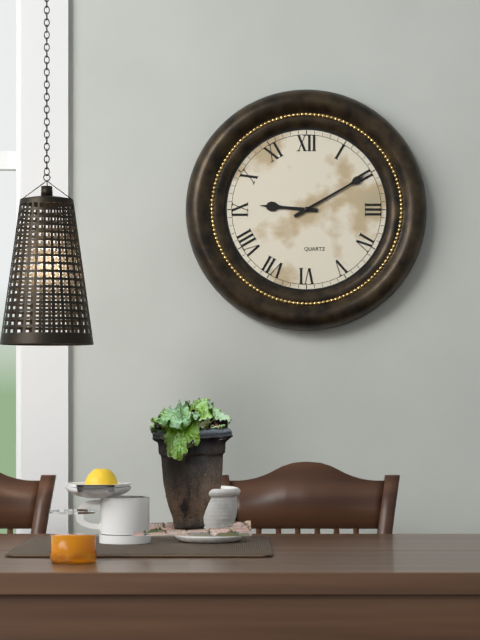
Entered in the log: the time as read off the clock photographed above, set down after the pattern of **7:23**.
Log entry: **9:10**
